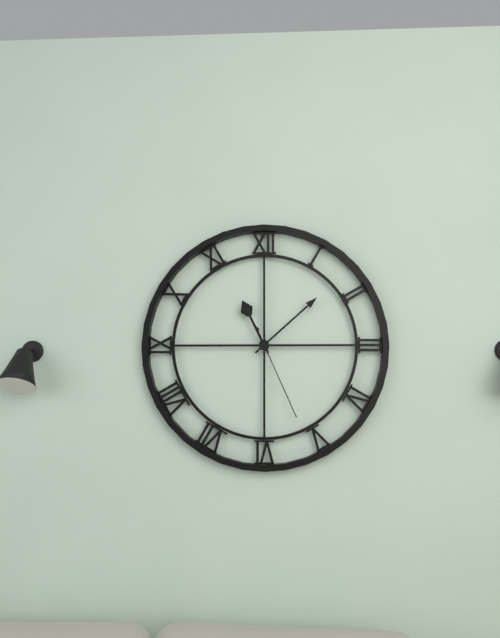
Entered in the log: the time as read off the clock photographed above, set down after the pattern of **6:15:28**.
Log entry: **11:08:26**
